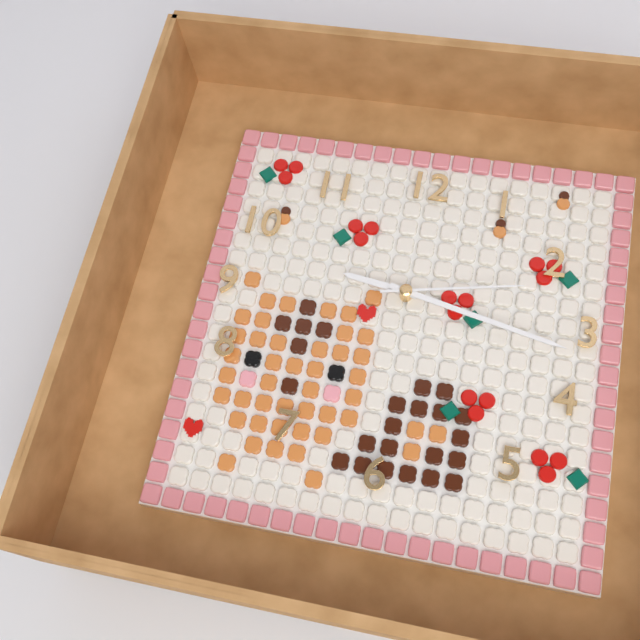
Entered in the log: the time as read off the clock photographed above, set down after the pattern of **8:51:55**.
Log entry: **9:17:13**
